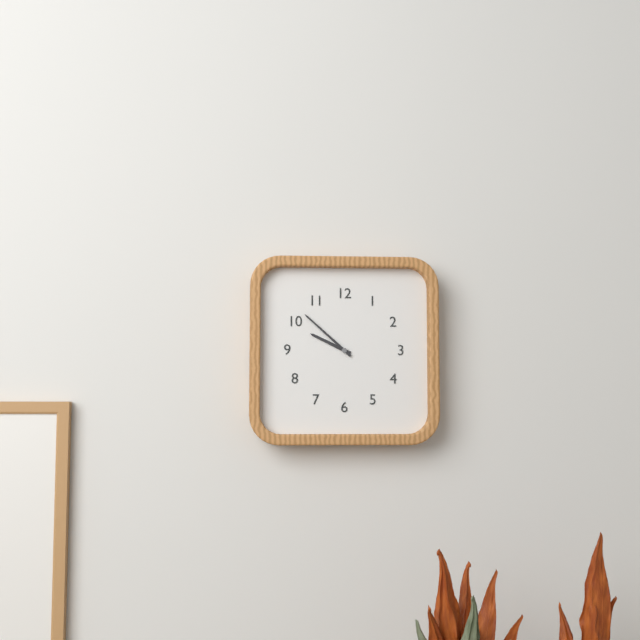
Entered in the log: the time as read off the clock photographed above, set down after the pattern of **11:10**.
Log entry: **9:52**
